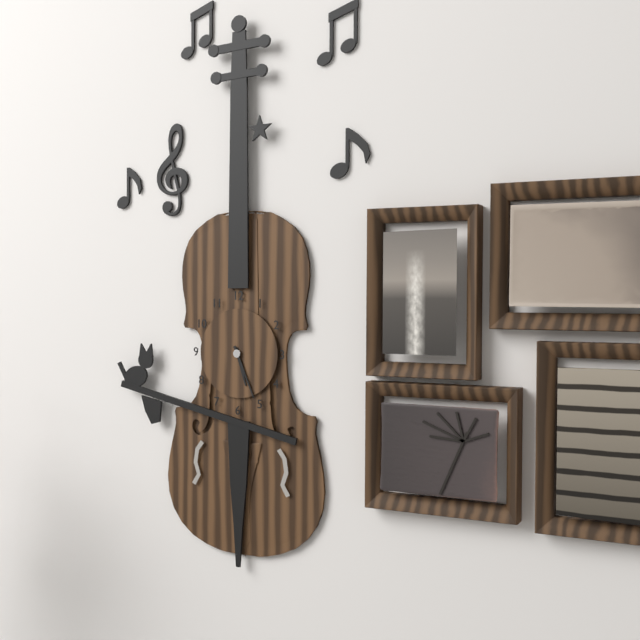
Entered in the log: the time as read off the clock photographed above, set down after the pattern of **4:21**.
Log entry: **5:26**
